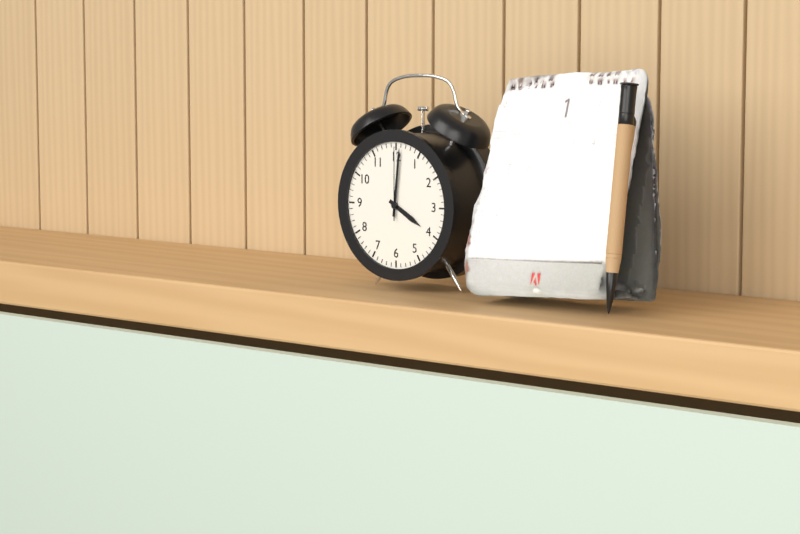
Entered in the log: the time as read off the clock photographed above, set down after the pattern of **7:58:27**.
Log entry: **4:01:00**
